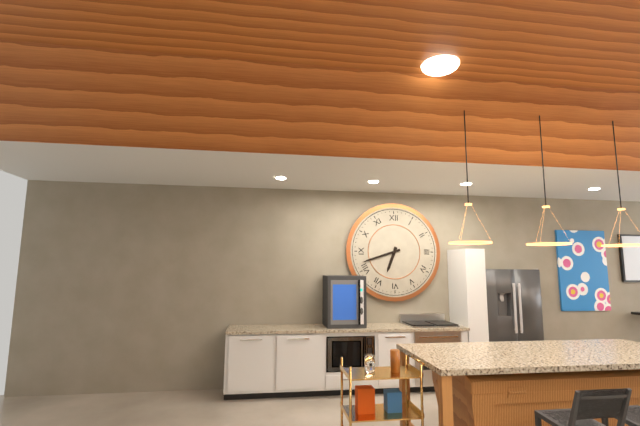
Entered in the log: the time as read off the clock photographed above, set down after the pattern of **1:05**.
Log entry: **6:42**
